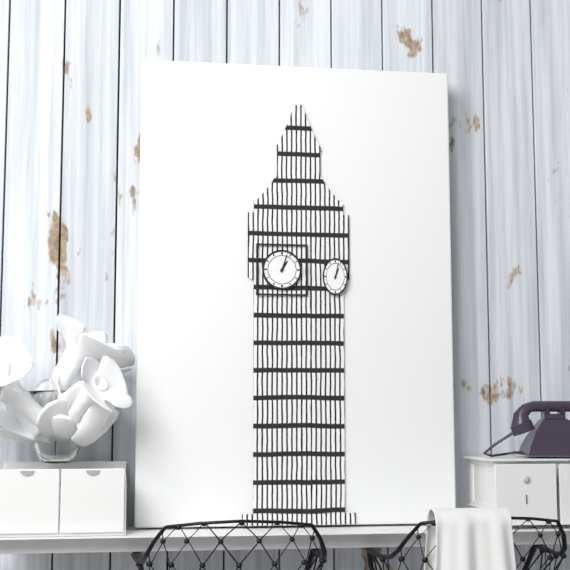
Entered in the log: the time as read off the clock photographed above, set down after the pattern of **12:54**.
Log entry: **1:03**
